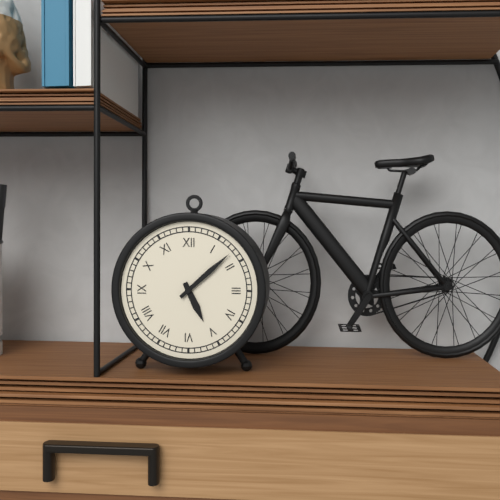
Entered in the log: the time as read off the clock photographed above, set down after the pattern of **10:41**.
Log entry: **5:08**
